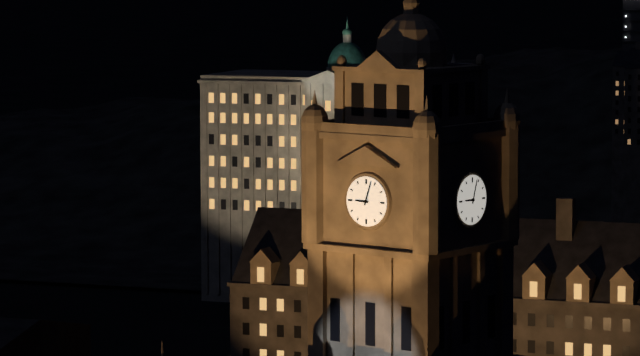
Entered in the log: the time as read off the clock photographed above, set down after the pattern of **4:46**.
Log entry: **9:03**
